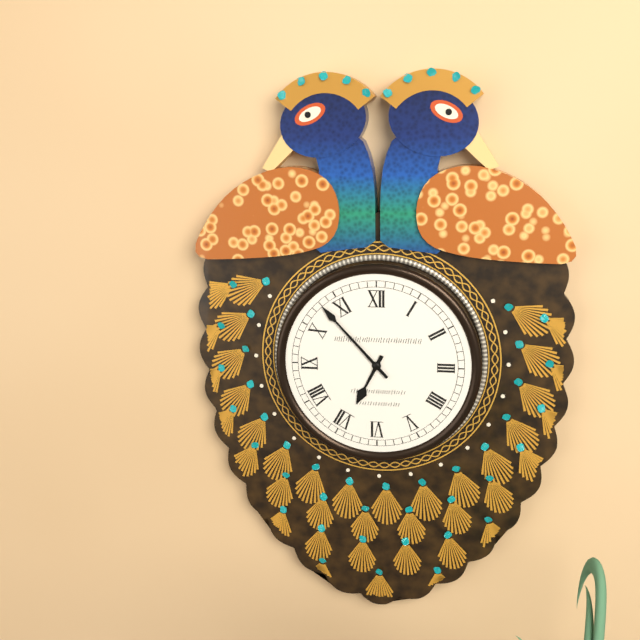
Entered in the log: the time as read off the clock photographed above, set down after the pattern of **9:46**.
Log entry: **6:53**
